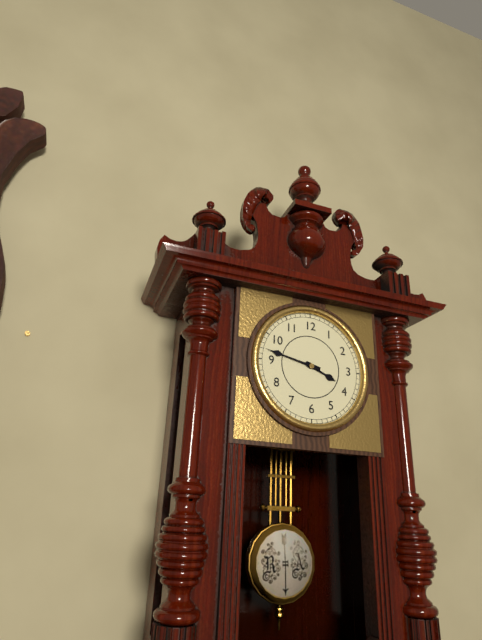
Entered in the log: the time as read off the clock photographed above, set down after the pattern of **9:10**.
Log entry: **3:47**
